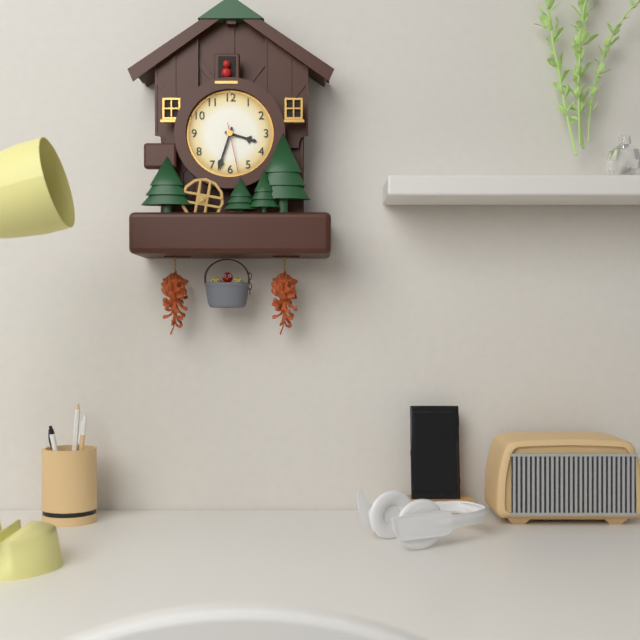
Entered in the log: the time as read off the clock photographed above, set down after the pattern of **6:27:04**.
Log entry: **3:33:28**
